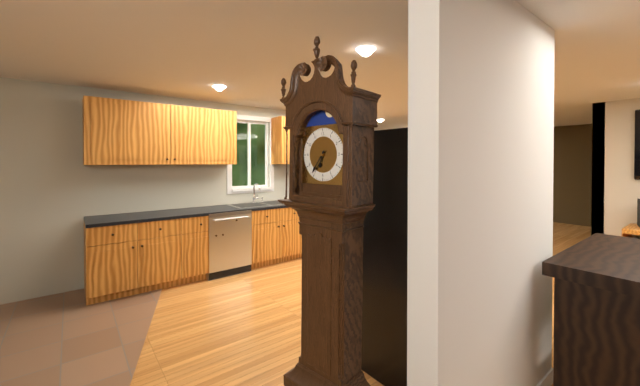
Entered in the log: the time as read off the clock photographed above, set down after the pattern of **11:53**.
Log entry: **6:36**
